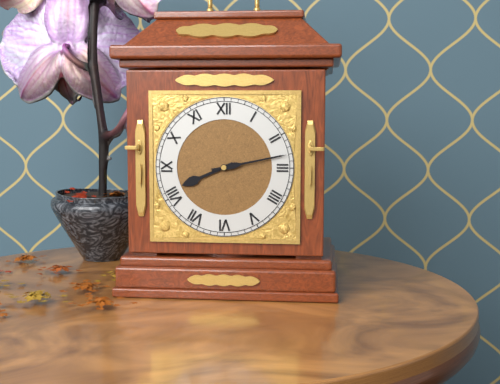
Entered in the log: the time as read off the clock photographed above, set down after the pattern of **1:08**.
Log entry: **8:13**
